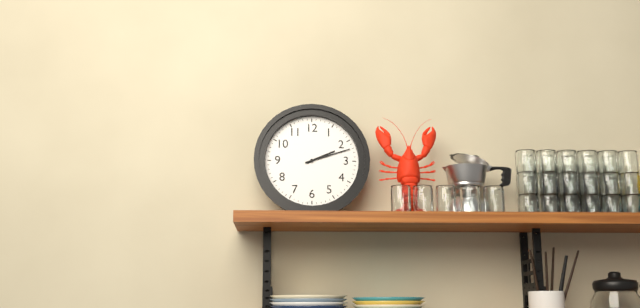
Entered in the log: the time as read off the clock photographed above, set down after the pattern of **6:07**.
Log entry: **2:12**
